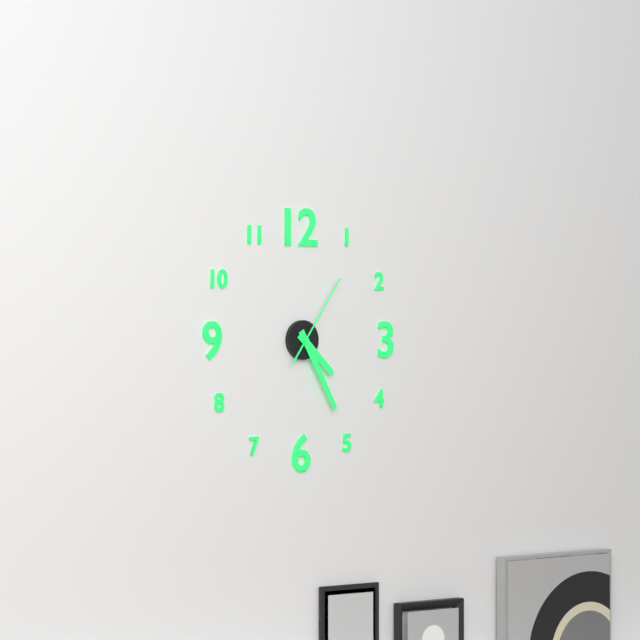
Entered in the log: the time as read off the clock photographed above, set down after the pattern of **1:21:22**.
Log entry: **4:25:06**
